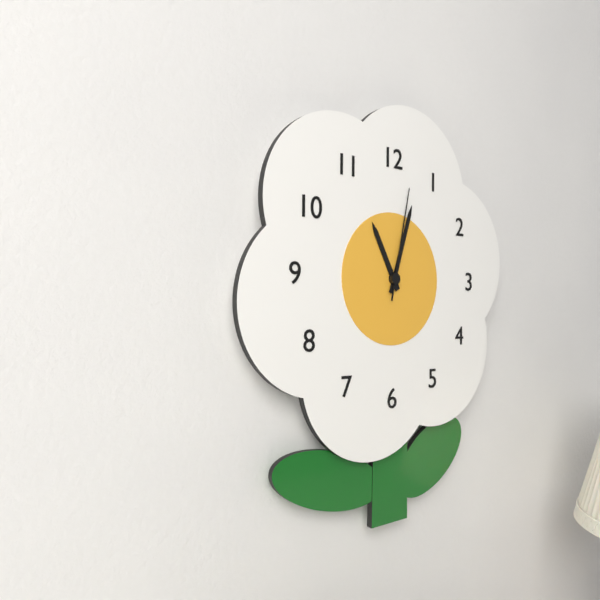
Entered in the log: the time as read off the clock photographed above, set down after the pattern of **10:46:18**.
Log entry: **11:03:02**
